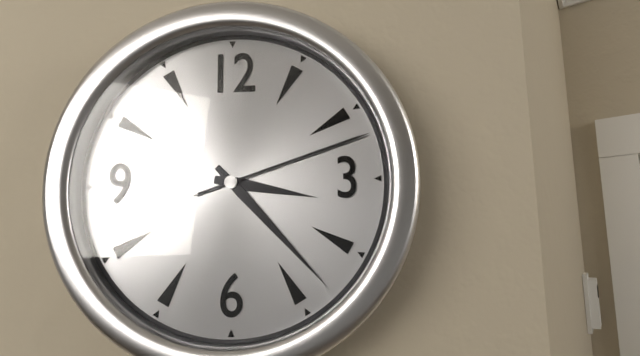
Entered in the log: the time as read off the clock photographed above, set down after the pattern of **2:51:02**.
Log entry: **3:23:12**
